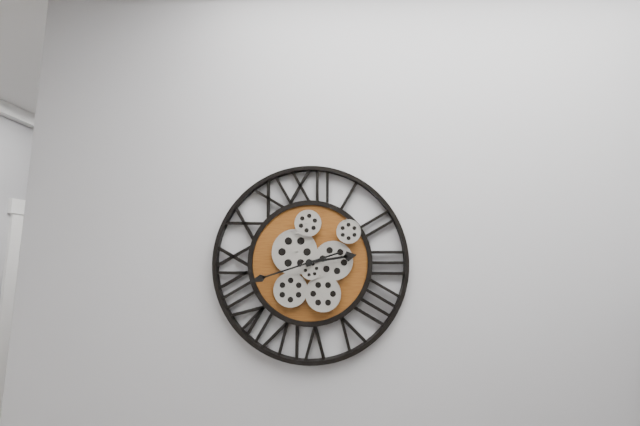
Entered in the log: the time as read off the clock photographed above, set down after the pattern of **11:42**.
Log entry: **2:42**
